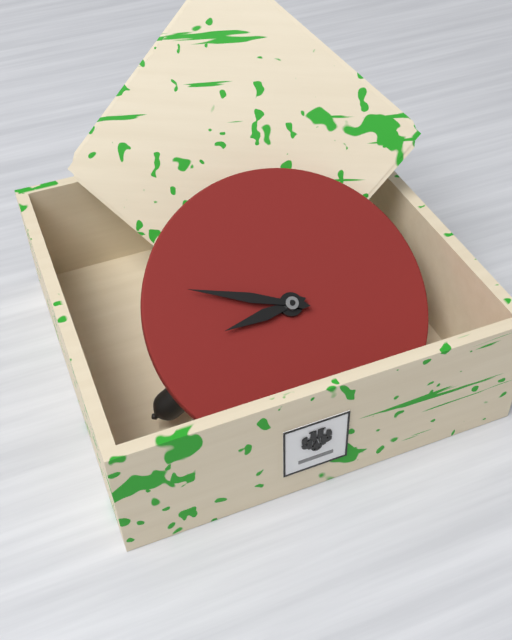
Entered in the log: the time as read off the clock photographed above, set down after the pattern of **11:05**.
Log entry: **8:49**
